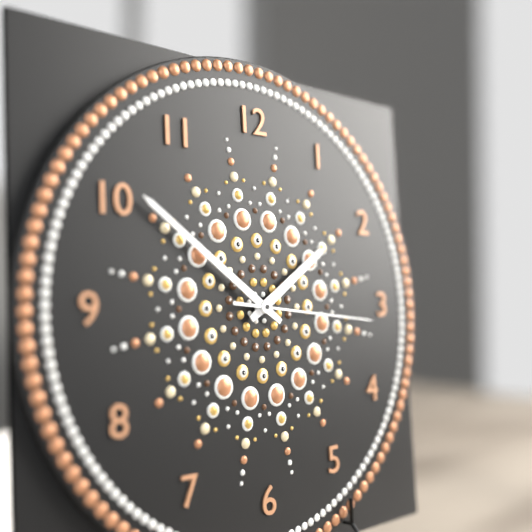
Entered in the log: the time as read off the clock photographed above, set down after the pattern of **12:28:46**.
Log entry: **1:51:16**
